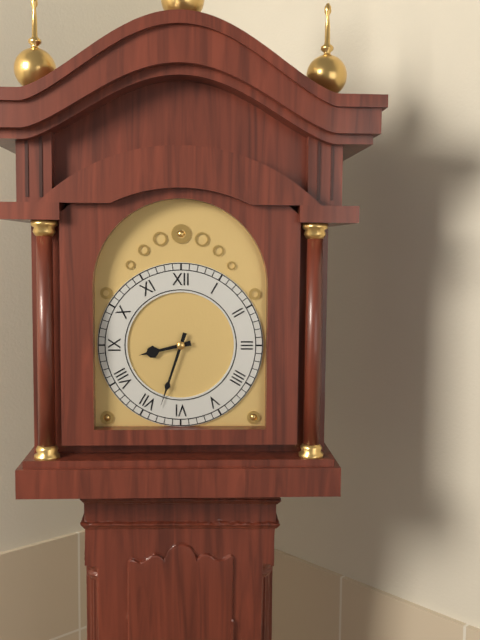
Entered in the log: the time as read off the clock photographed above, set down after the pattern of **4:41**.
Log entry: **8:33**
